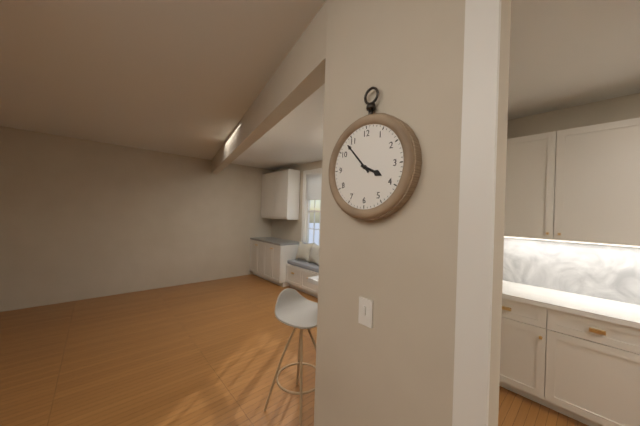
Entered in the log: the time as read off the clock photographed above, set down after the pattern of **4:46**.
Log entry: **3:53**
